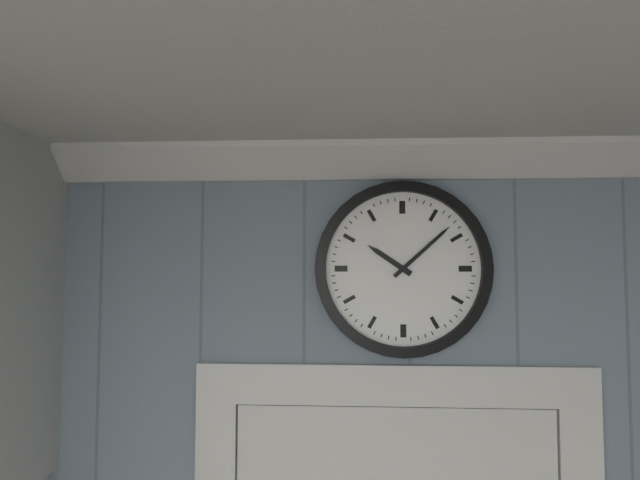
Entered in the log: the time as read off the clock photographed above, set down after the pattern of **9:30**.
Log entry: **10:08**
